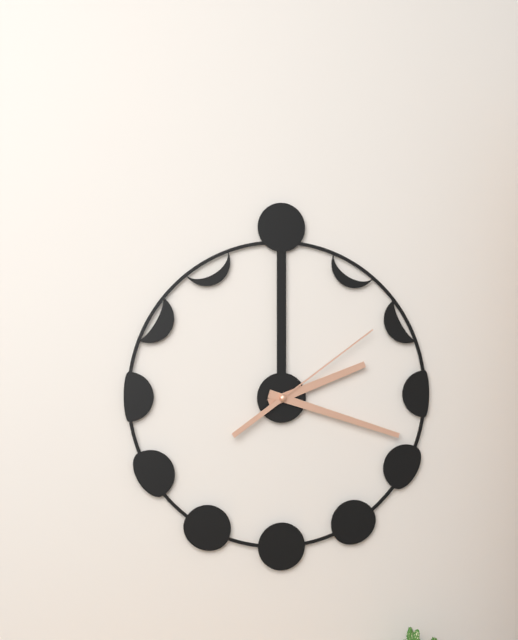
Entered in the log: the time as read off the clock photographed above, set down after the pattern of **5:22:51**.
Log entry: **2:18:09**
